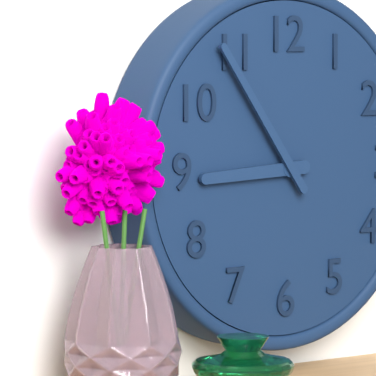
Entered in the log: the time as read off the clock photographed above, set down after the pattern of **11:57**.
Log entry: **8:54**
